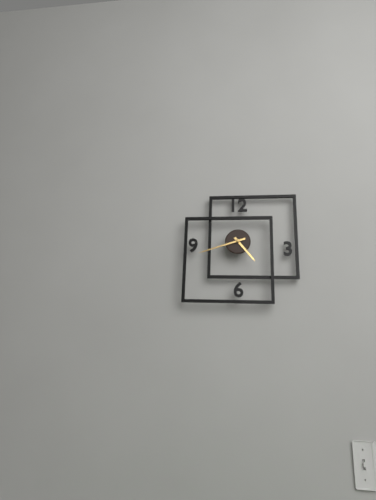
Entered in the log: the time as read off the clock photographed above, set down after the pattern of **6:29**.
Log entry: **4:42**
